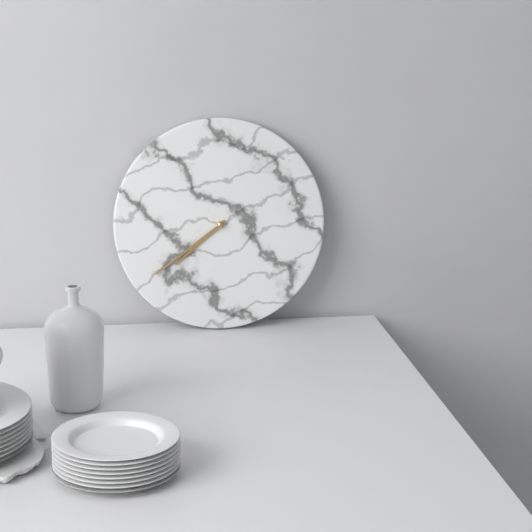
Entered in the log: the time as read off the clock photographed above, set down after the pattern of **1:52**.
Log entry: **7:39**
